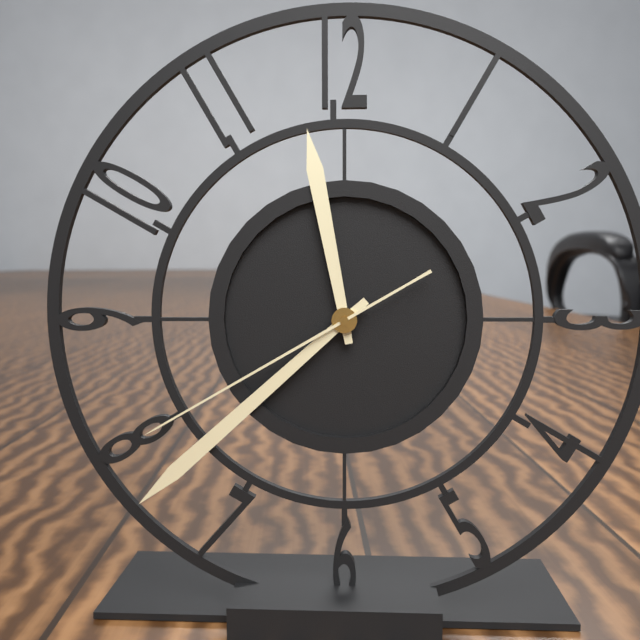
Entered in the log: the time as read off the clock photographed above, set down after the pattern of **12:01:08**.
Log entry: **11:38:40**
